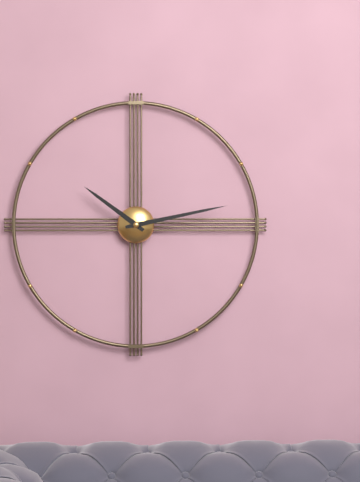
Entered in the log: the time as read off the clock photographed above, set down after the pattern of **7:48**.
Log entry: **10:13**
